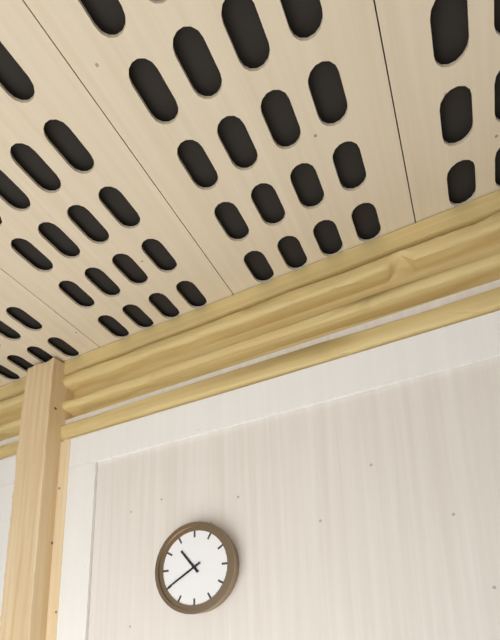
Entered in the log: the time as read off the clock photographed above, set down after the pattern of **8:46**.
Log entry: **10:40**
